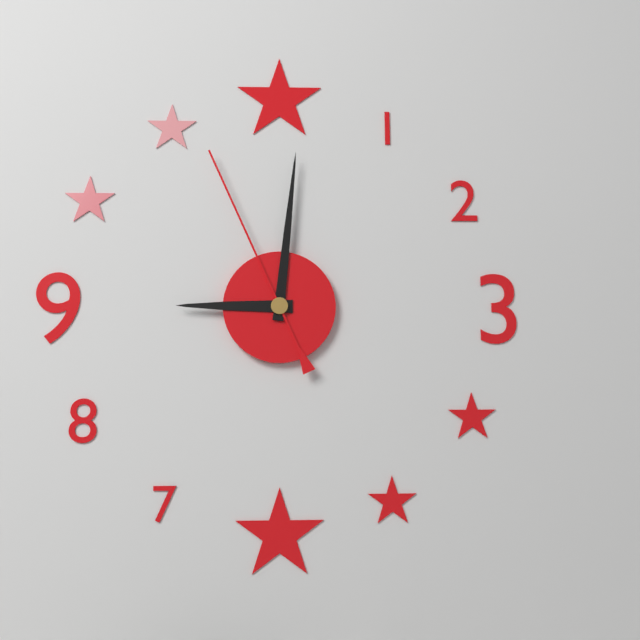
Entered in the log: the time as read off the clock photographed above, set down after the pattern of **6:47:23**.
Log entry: **9:01:56**
